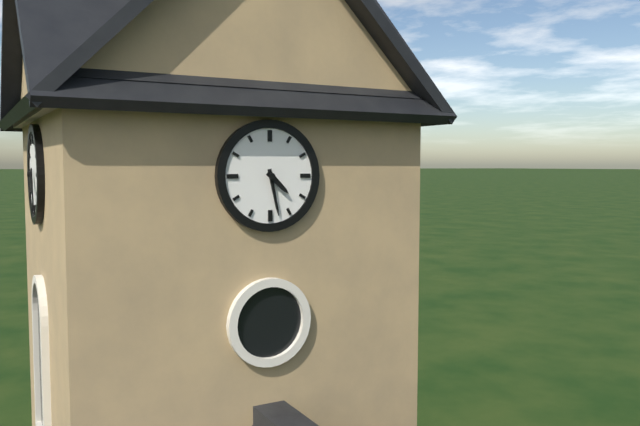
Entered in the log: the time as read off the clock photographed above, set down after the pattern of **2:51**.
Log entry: **4:28**
